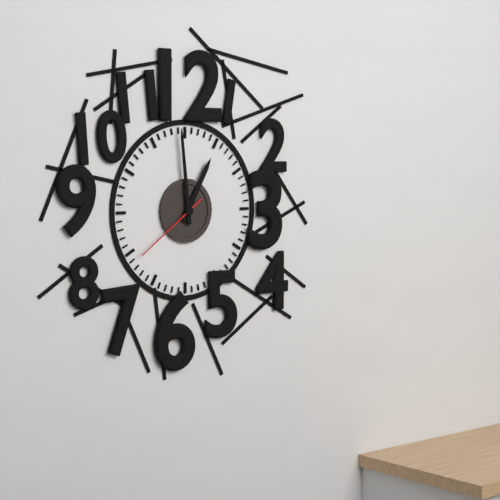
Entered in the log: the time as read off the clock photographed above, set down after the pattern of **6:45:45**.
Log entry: **12:59:39**
